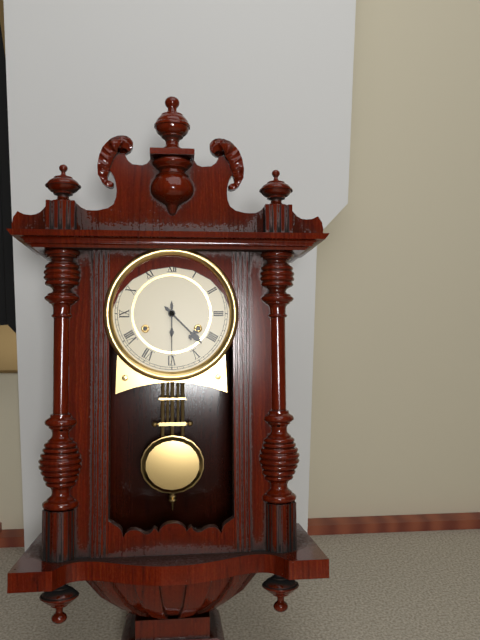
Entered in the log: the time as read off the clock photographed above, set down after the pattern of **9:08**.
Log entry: **4:30**
